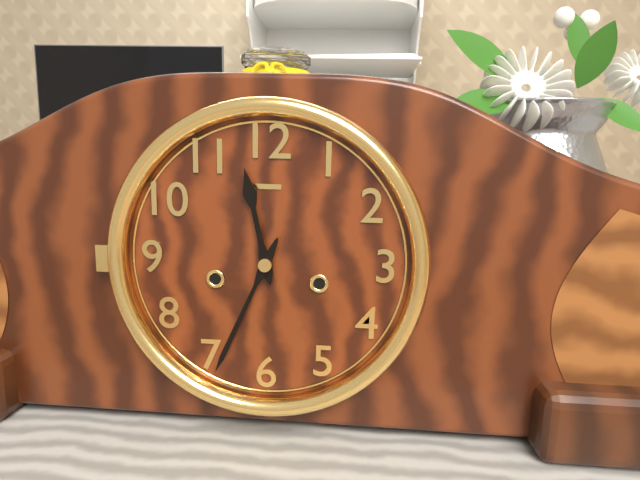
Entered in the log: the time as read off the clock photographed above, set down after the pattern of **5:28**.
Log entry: **11:34**
